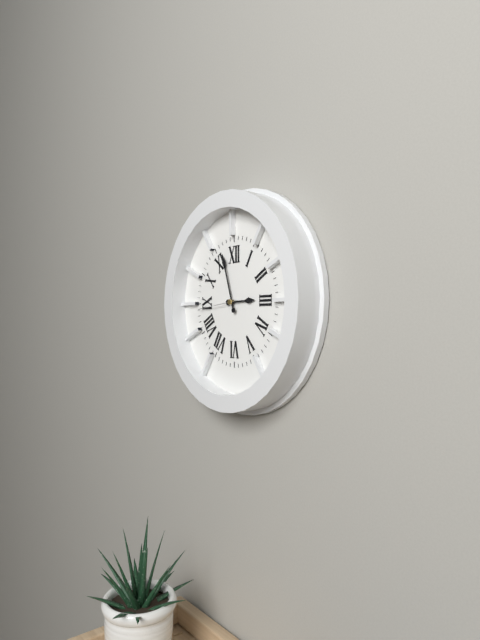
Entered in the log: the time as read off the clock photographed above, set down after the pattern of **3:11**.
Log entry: **2:57**
